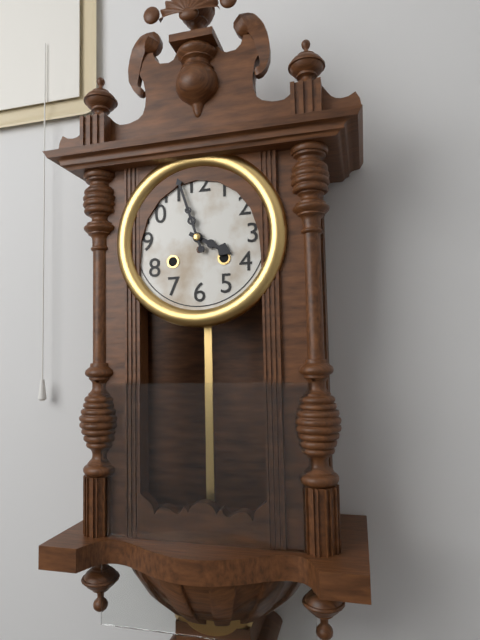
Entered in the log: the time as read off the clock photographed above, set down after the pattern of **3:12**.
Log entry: **3:57**
